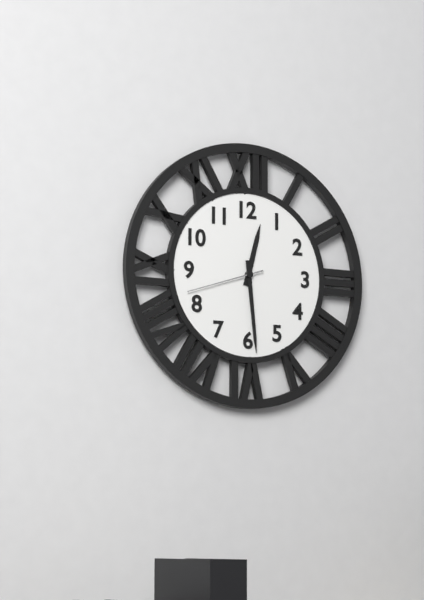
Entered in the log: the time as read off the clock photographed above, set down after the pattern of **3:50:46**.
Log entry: **12:29:42**
